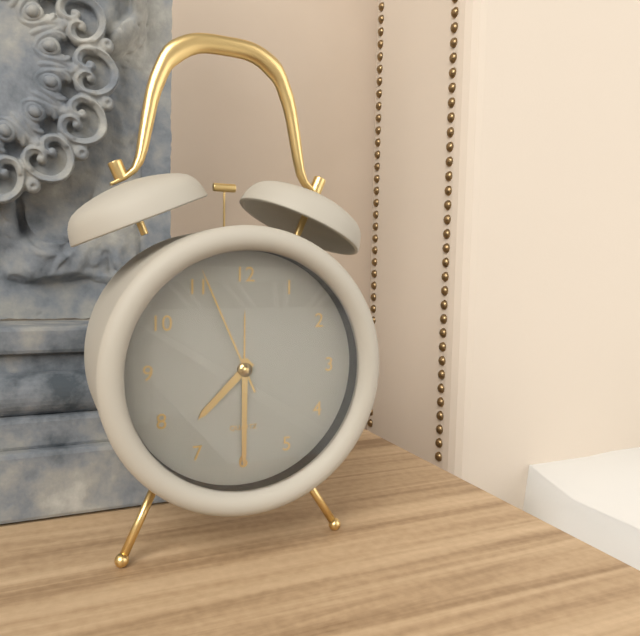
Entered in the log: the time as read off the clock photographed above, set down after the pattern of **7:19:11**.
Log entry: **7:30:56**
